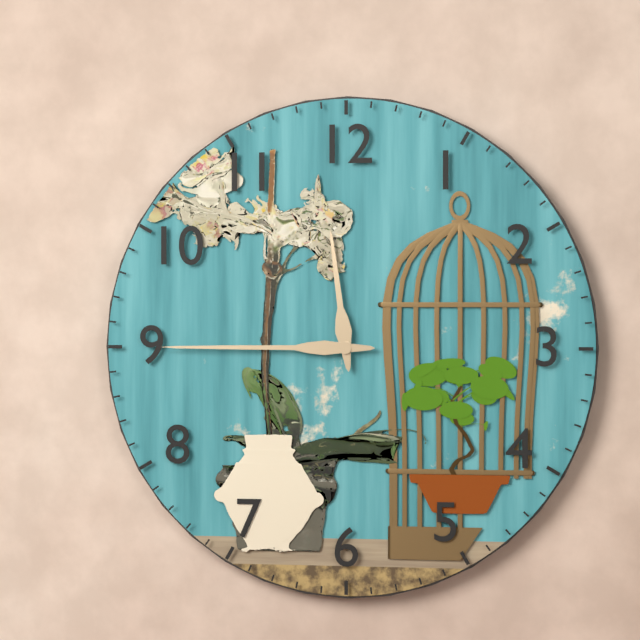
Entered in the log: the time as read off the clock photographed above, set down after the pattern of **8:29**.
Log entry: **11:45**
